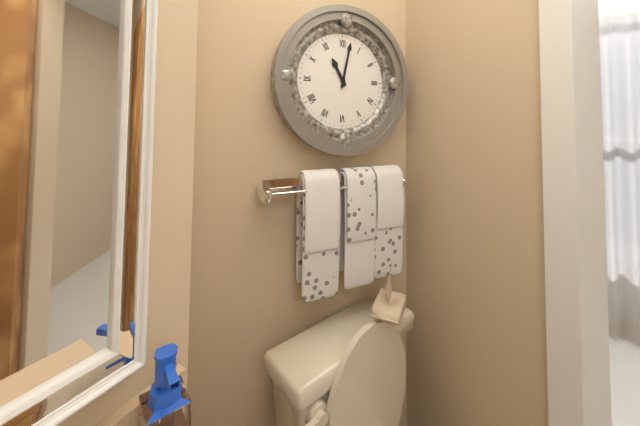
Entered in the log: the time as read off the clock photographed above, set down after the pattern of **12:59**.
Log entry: **11:02**
